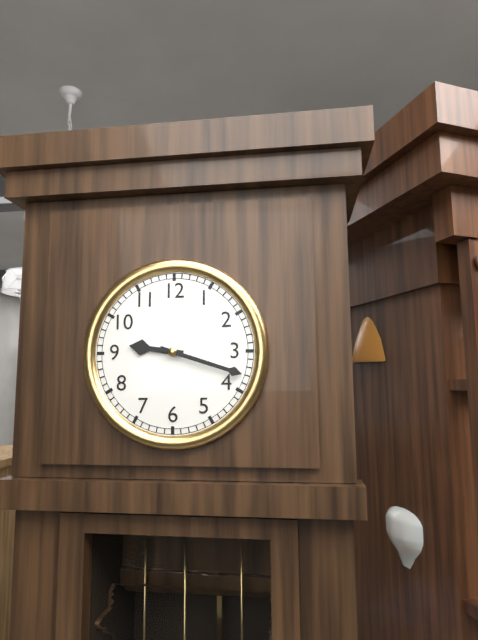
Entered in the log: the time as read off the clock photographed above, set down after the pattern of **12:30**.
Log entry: **9:18**
